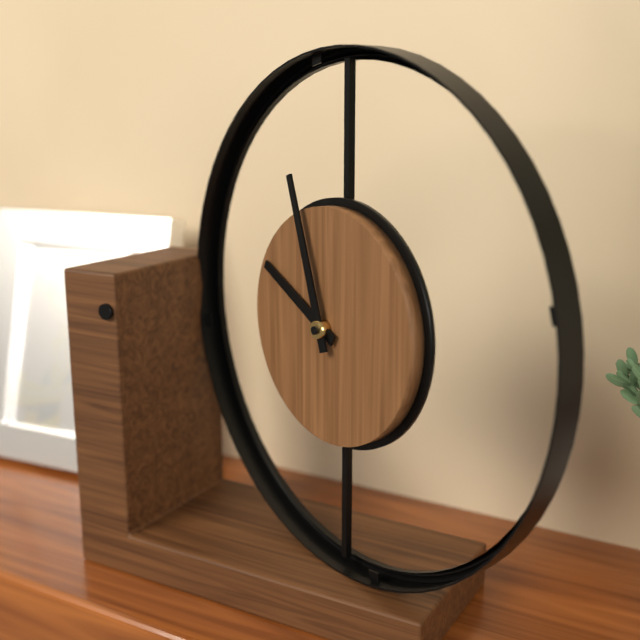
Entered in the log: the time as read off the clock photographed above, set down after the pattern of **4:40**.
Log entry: **9:57**
